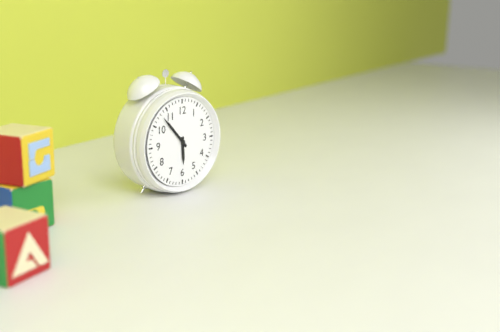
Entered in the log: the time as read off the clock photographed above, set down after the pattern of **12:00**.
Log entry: **5:53**
